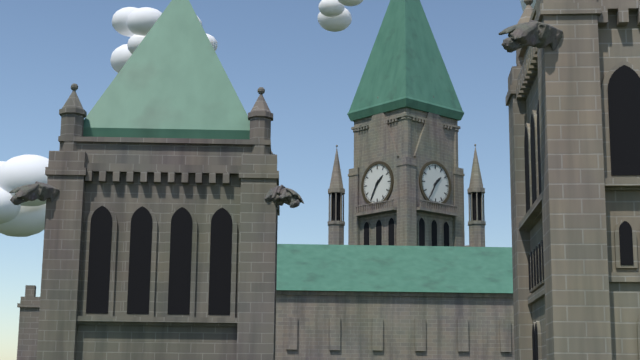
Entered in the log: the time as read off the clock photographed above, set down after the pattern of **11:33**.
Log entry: **1:35**
